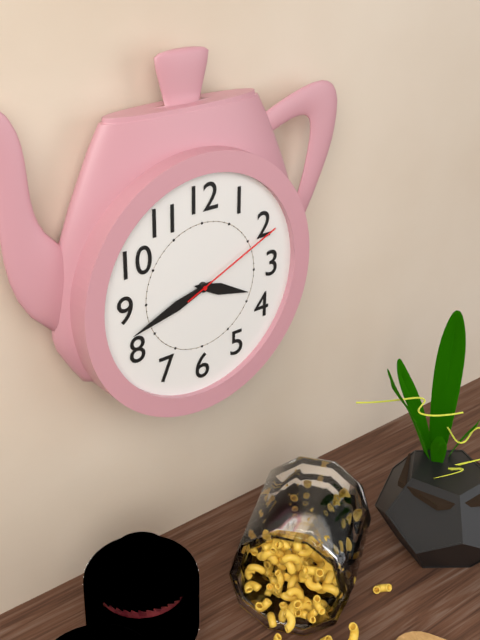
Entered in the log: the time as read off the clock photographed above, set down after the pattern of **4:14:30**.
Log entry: **3:42:11**
